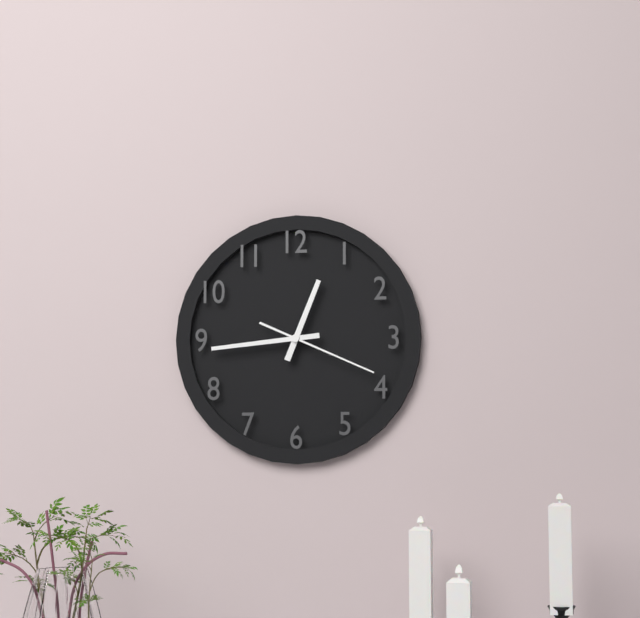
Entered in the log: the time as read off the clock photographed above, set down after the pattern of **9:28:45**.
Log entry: **12:44:19**
